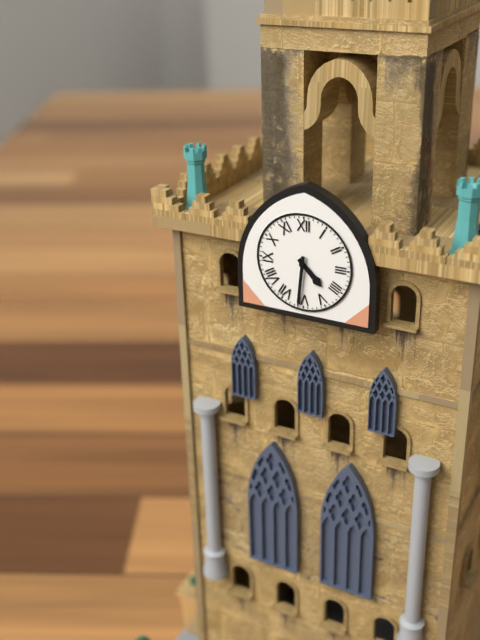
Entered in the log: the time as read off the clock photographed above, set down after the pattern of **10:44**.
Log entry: **4:31**
